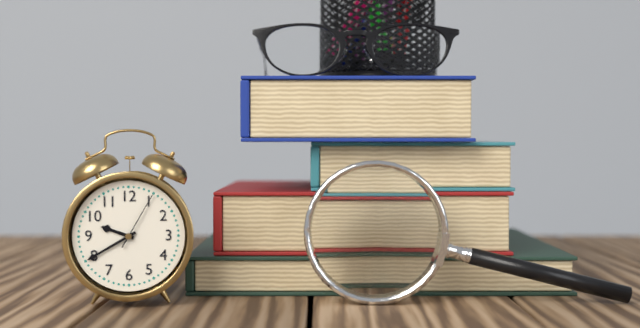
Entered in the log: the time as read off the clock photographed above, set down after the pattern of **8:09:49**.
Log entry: **9:40:05**
